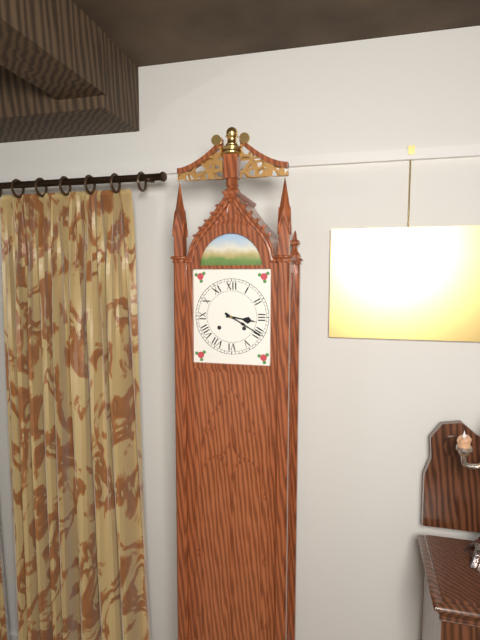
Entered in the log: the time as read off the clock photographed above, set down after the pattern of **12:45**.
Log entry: **3:20**
